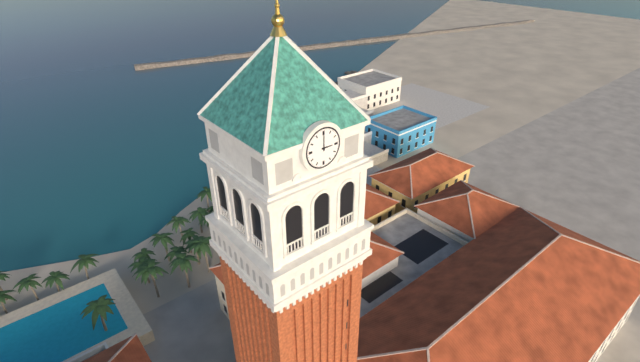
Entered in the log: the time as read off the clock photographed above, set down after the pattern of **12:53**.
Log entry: **3:00**
